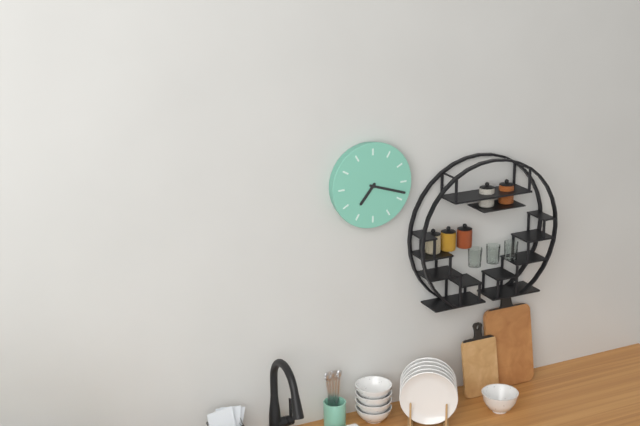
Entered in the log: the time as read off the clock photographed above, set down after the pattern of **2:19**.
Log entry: **7:18**
